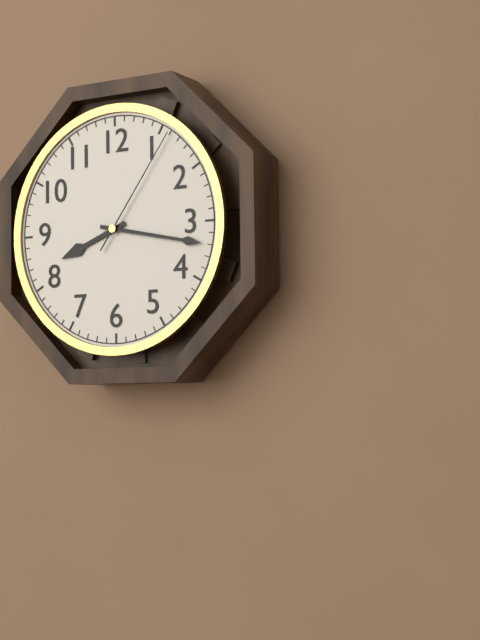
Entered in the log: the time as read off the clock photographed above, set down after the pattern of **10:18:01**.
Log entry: **8:17:06**
